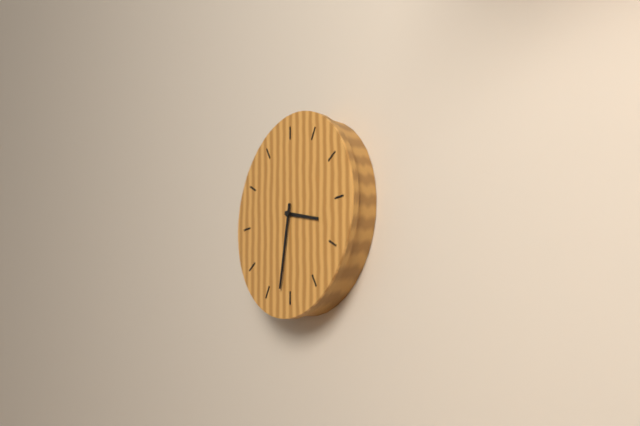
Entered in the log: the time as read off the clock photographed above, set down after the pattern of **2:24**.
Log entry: **3:32**
